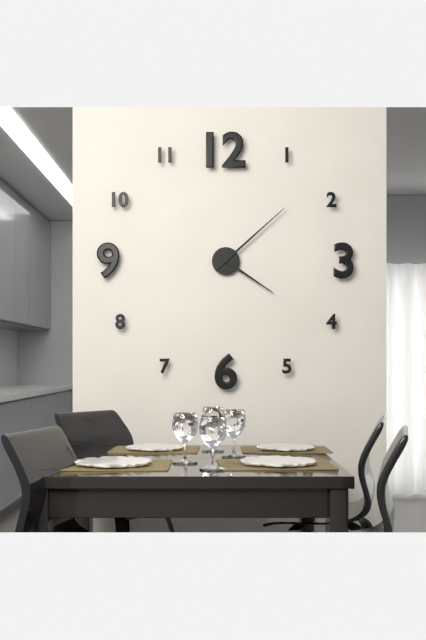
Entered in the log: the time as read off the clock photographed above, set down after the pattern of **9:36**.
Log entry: **4:08**
